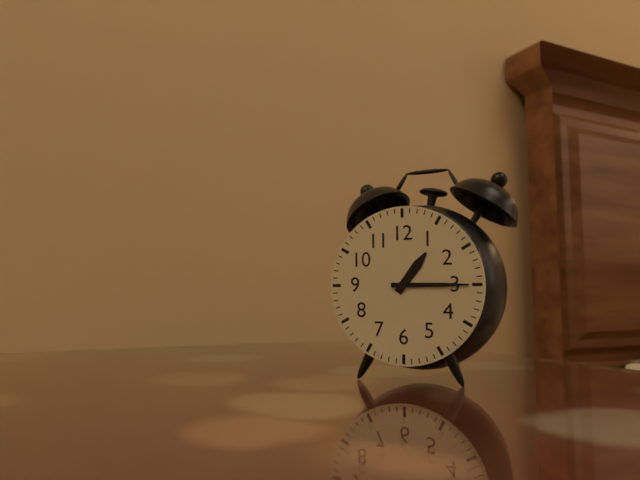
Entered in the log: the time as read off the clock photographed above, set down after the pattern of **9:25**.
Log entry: **1:15**
